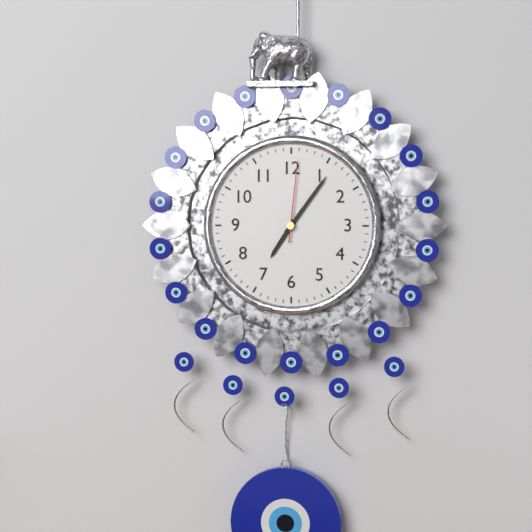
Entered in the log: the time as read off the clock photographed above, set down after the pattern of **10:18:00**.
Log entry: **7:06:01**
